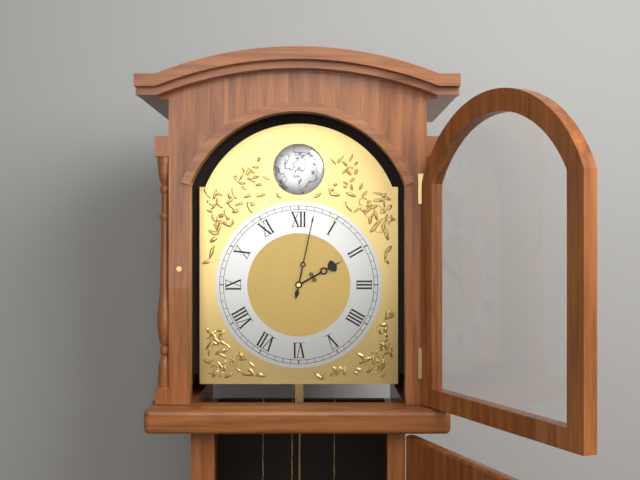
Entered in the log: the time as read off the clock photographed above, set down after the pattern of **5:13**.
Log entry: **2:02**
